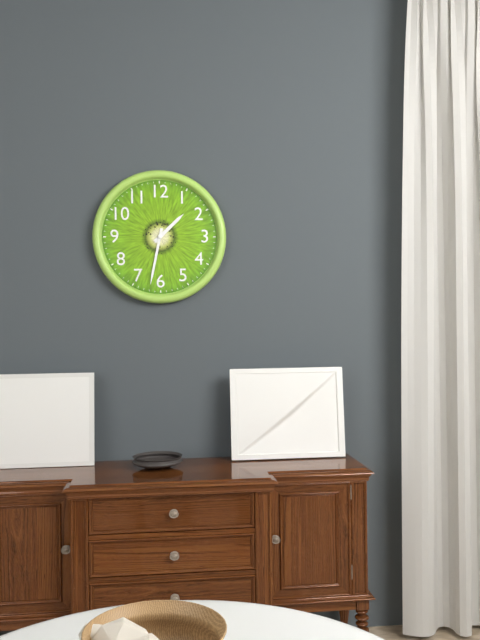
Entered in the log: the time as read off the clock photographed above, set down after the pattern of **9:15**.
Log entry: **1:32**
